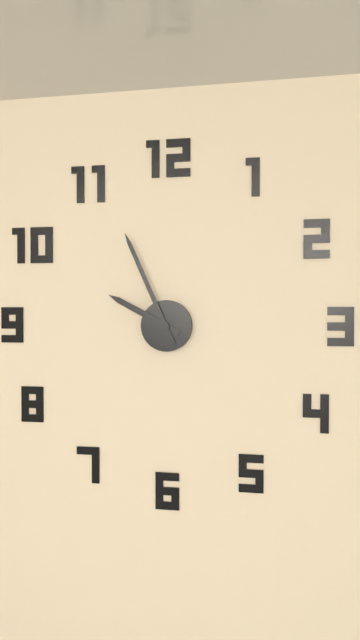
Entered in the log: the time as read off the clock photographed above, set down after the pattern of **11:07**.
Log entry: **9:56**
